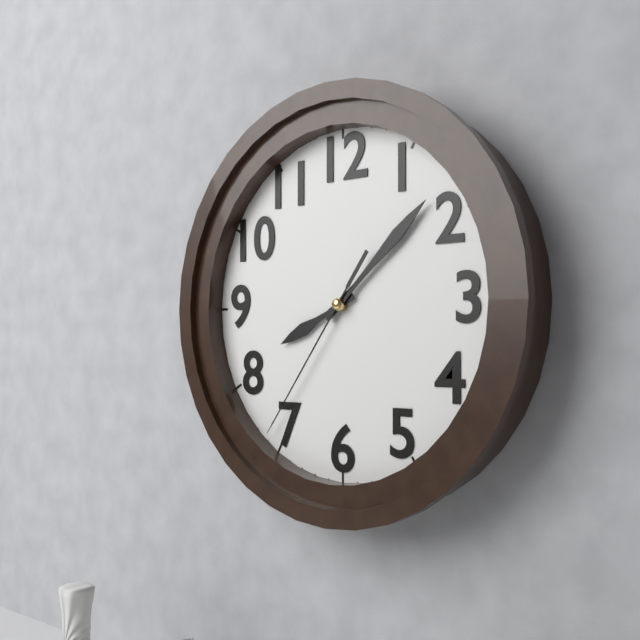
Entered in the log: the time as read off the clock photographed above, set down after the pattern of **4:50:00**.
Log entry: **8:08:36**
